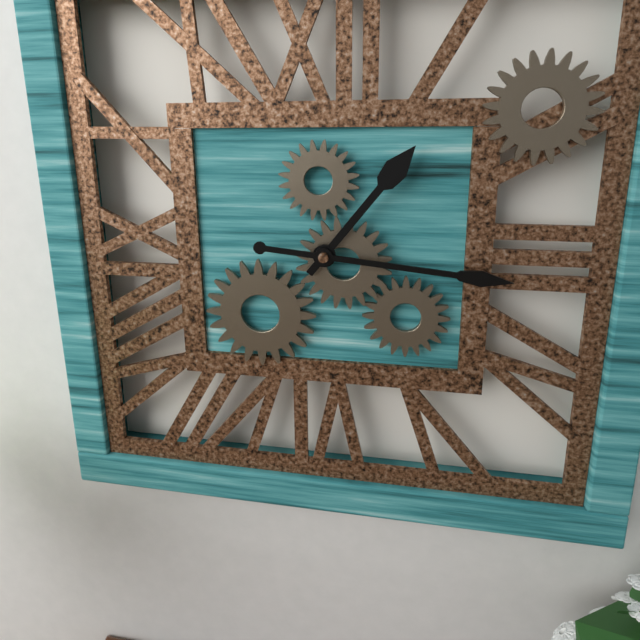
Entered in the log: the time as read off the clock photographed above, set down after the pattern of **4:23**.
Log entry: **1:16**
